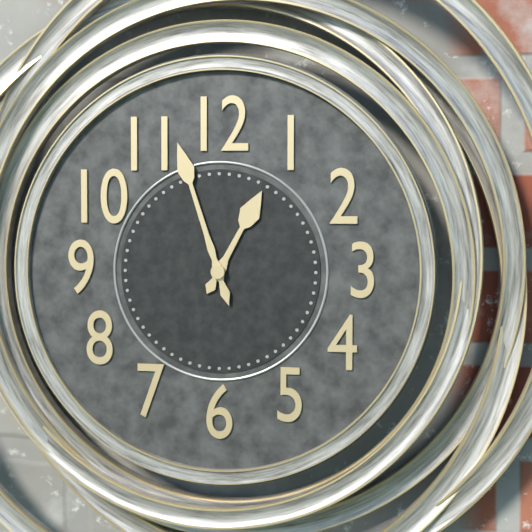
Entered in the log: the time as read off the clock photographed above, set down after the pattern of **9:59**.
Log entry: **12:57**
